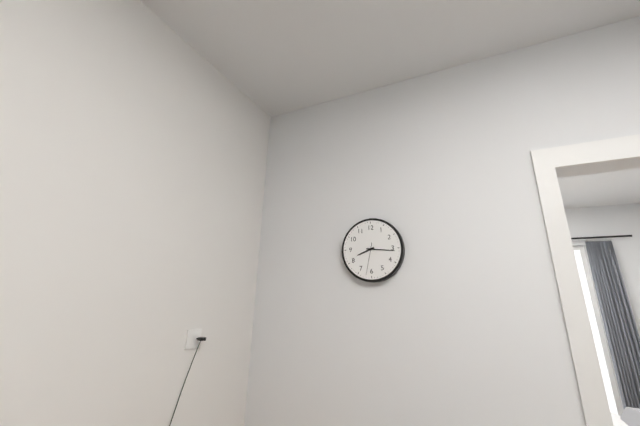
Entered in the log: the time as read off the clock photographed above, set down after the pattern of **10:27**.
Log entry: **8:16**
